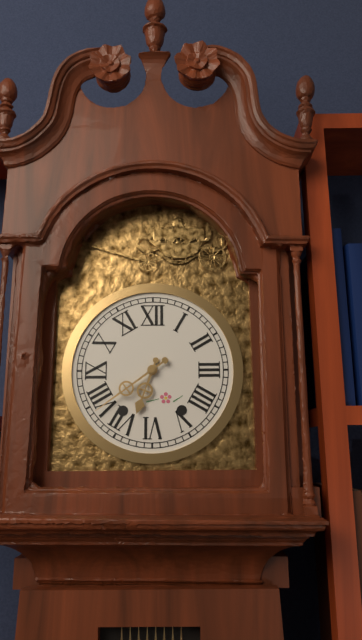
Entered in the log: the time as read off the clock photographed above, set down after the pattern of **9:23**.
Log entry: **6:39**
